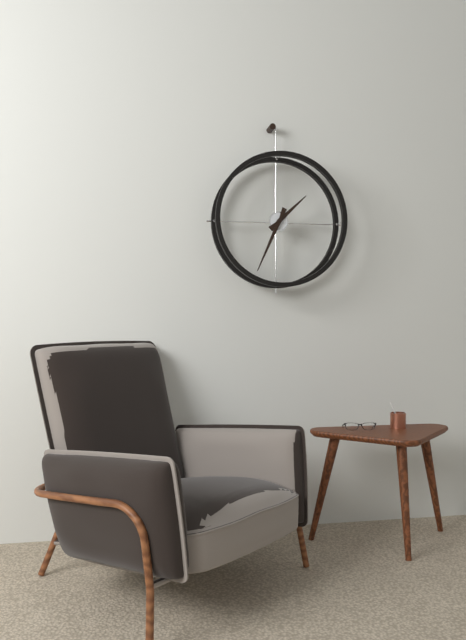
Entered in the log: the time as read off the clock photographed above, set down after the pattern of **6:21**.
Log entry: **1:34**
